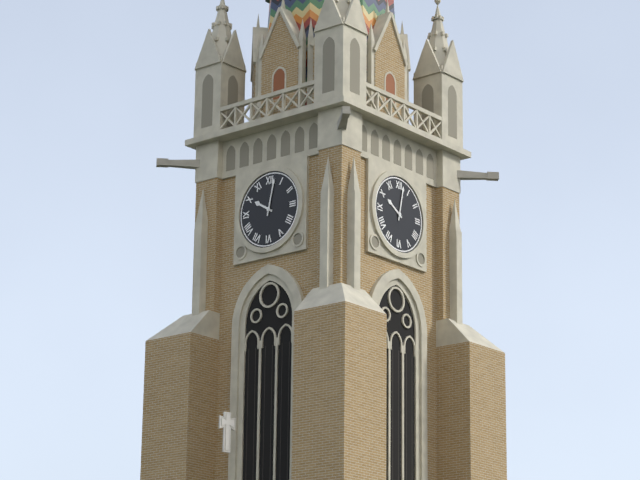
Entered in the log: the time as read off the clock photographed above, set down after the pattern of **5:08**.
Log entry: **10:02**
